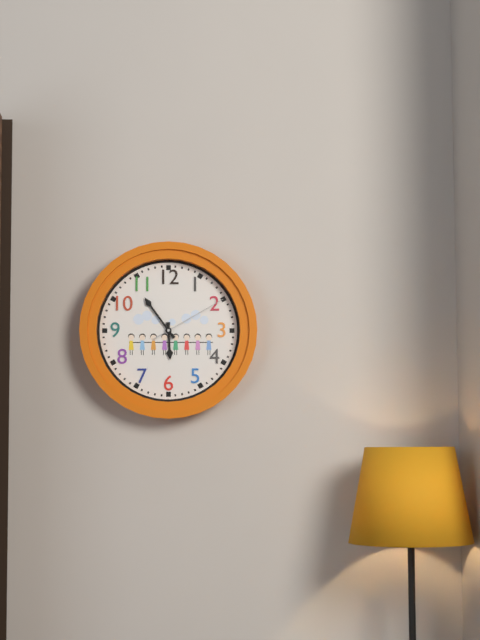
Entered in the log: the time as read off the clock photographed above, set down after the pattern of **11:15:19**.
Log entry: **5:54:10**
